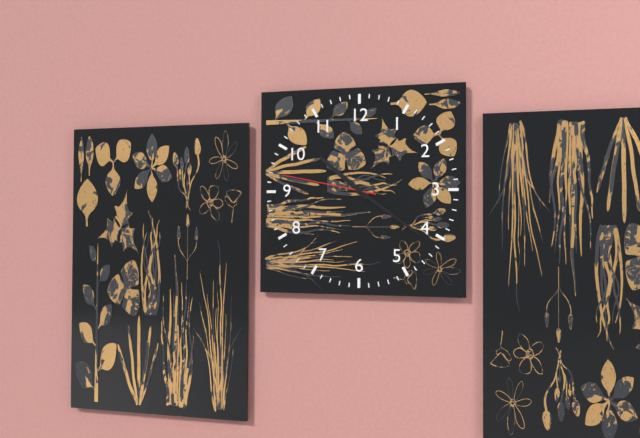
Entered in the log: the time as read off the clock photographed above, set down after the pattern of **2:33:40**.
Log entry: **10:21:47**
